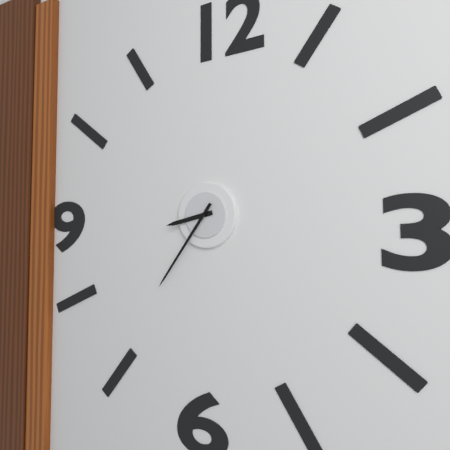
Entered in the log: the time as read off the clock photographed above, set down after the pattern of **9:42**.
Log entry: **8:36**
